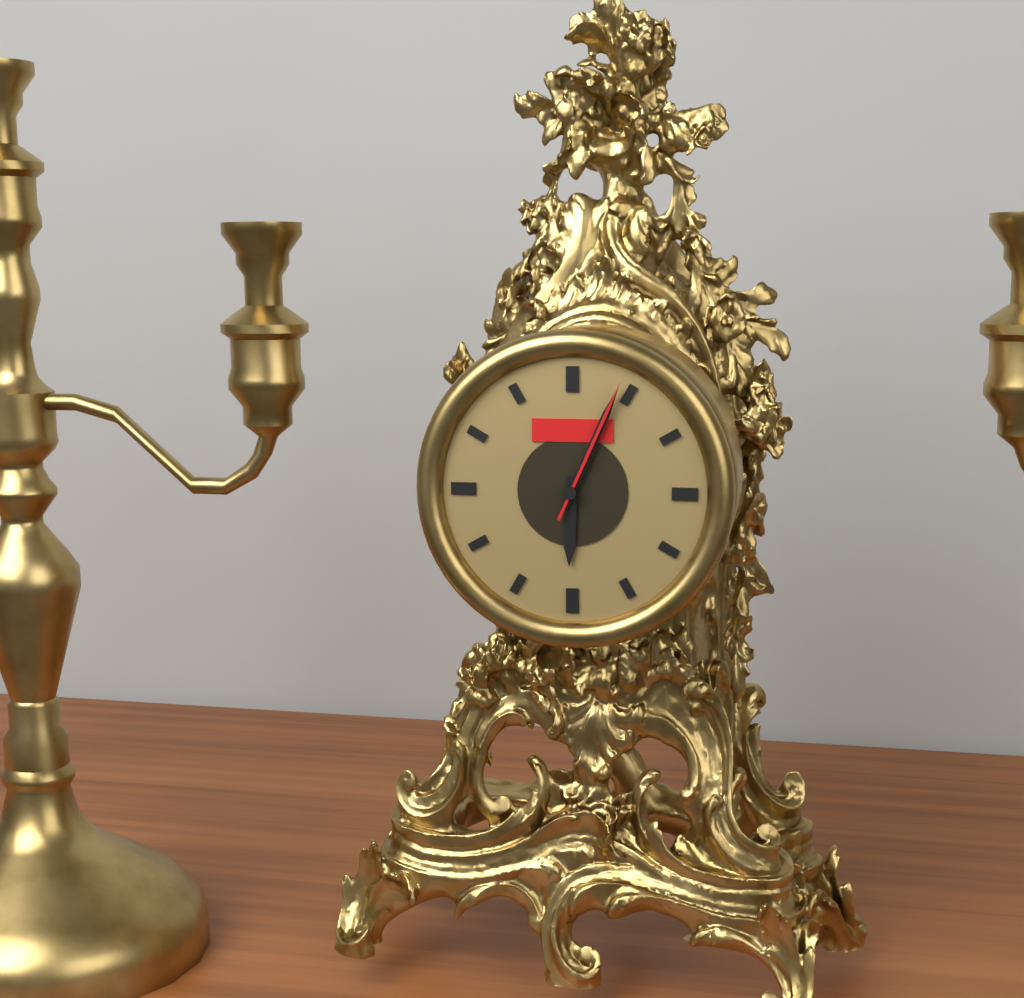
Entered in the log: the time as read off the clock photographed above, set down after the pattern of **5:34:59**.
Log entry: **6:04:04**
